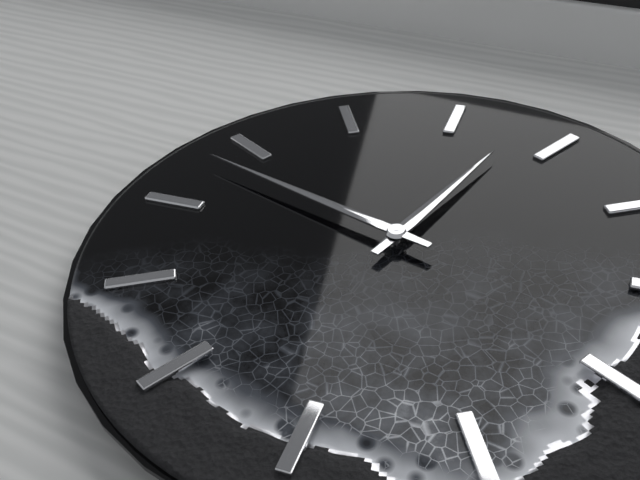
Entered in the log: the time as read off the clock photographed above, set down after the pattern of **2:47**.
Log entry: **10:38**
